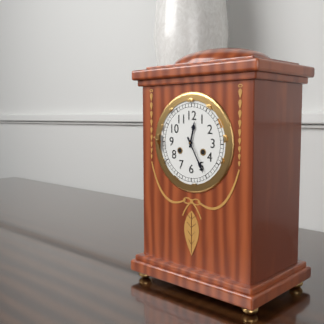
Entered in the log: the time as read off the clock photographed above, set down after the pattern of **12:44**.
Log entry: **12:25**
